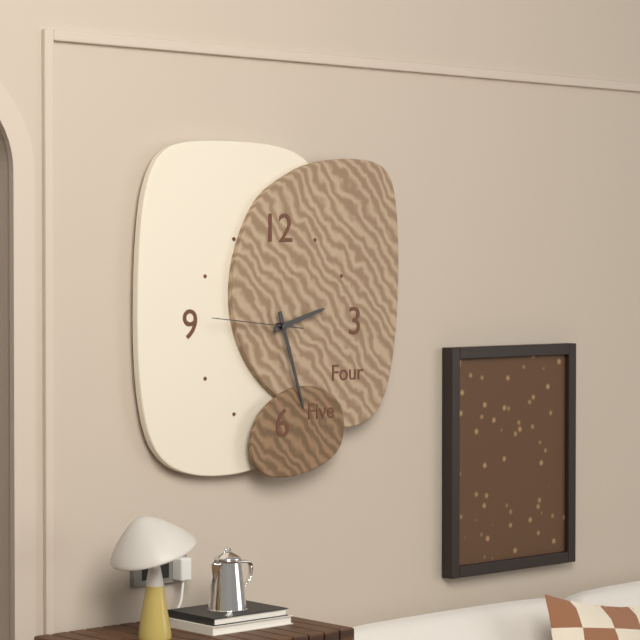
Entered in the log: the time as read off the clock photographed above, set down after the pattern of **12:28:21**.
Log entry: **2:27:46**
